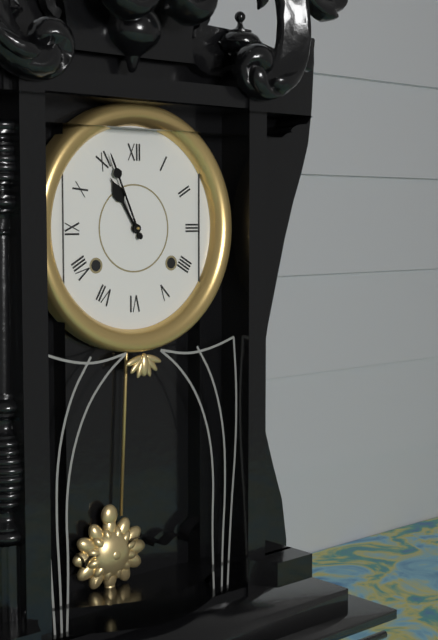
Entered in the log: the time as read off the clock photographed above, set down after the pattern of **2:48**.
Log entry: **10:56**
